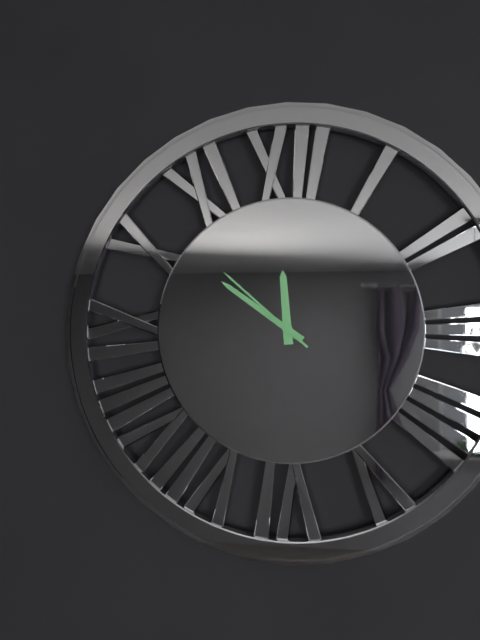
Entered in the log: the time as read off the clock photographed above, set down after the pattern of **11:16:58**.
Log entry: **11:51:52**
